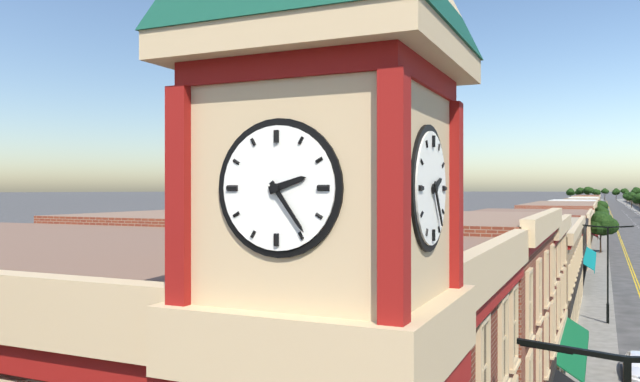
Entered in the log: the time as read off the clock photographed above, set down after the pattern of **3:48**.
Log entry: **2:24**
